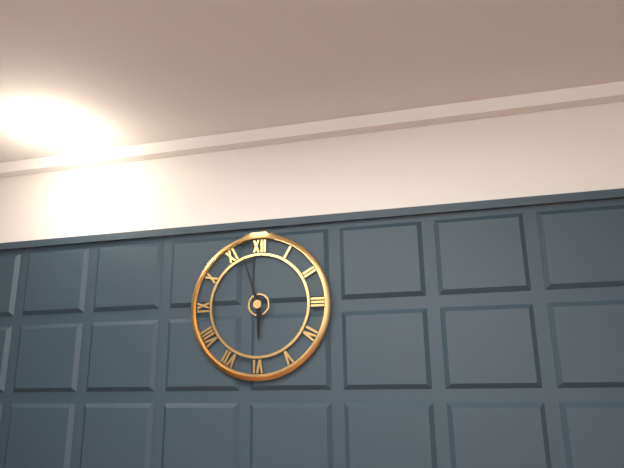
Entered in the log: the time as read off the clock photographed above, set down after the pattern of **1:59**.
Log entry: **5:57**
